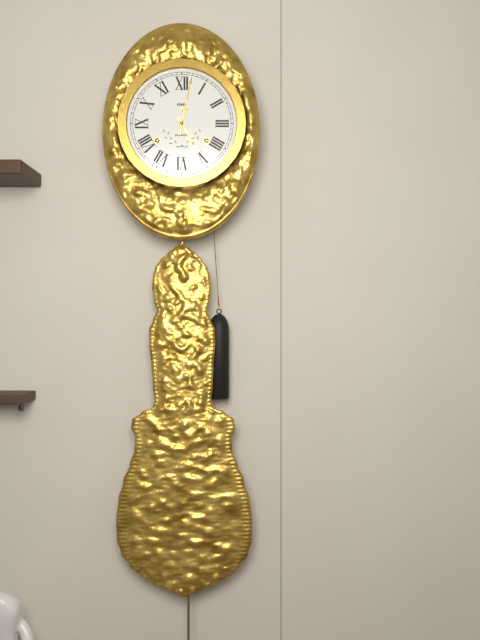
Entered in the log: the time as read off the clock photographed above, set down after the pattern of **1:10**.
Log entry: **5:02**
